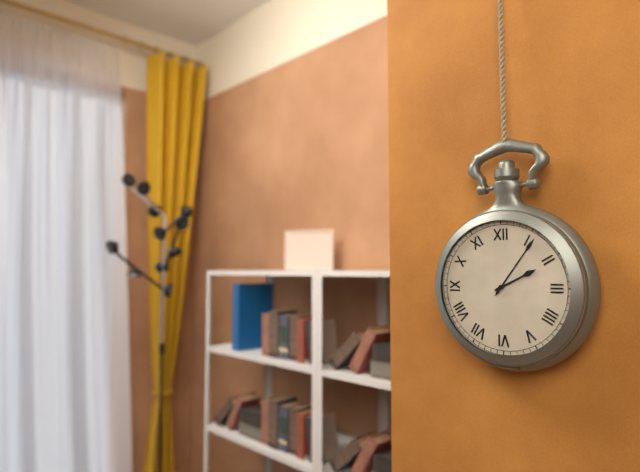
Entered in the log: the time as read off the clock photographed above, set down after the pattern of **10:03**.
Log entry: **2:06**
